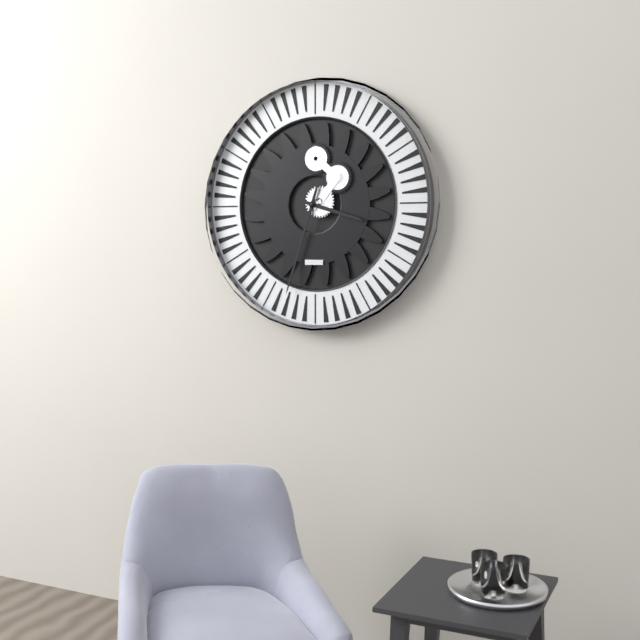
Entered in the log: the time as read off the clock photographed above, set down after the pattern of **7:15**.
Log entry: **3:33**
